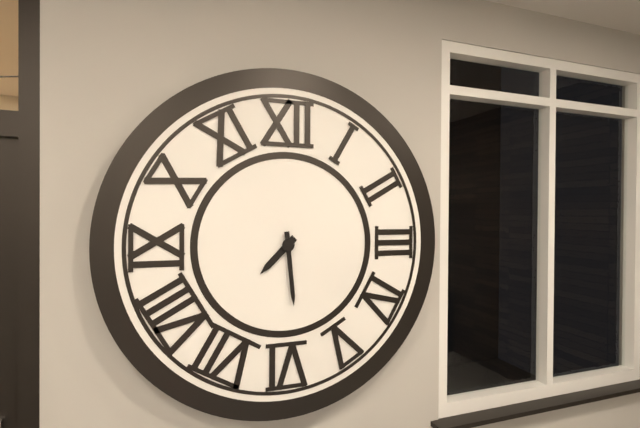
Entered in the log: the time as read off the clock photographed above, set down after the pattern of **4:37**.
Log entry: **7:29**
